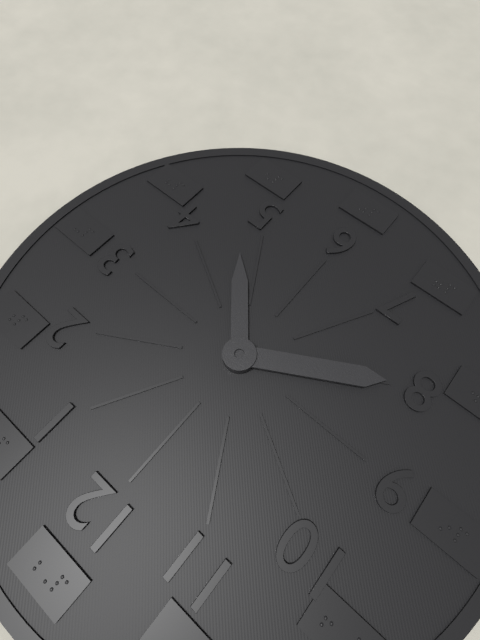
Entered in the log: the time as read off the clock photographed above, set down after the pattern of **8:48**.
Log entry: **4:40**
